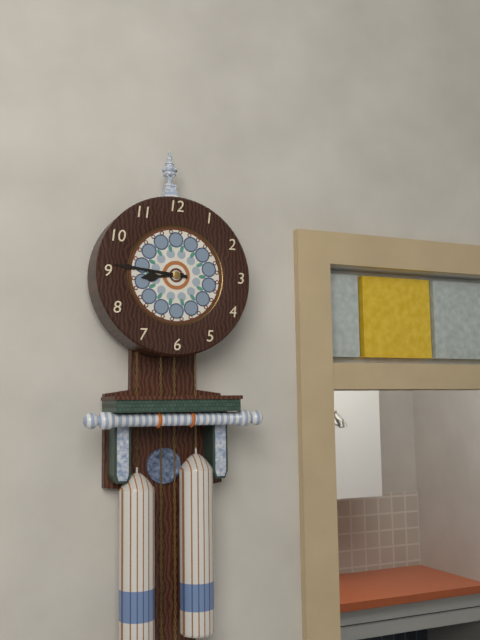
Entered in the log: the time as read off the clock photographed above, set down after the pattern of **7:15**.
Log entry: **8:46**
